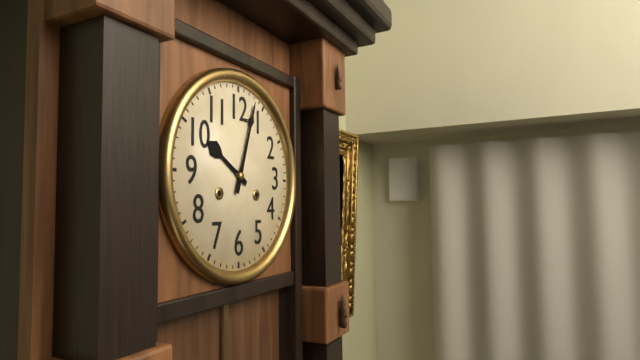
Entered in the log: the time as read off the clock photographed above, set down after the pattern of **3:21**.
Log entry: **10:03**
